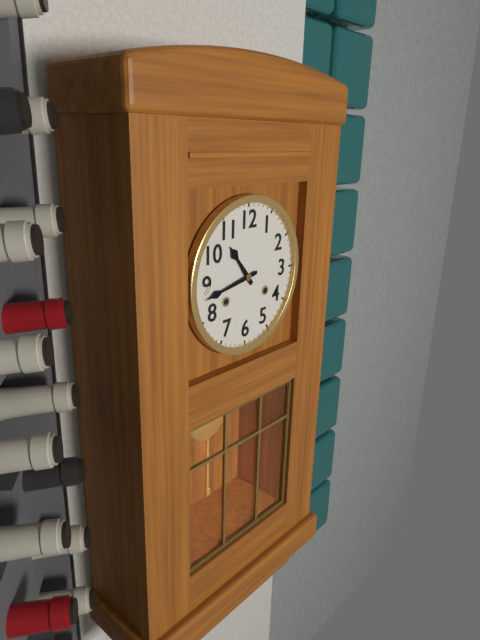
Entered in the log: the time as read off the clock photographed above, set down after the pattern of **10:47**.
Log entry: **10:43**
